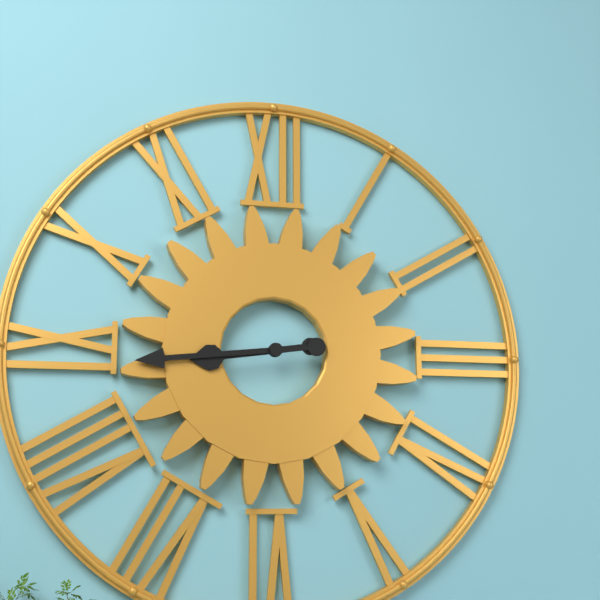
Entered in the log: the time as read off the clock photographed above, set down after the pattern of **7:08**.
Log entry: **8:44**
